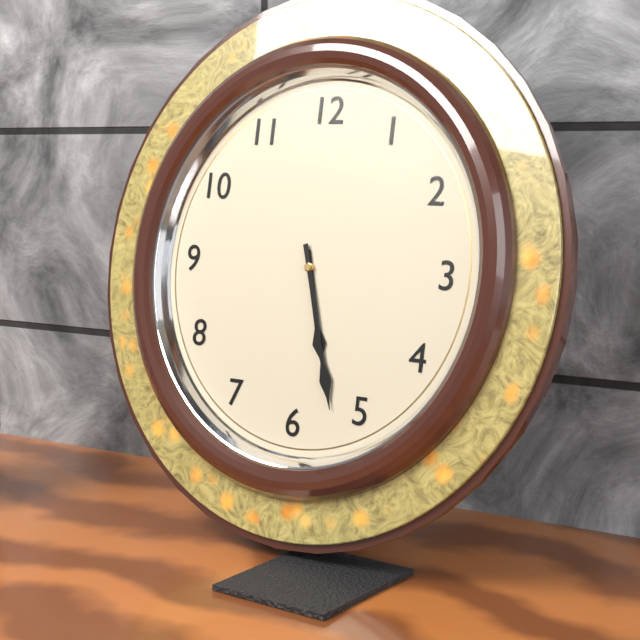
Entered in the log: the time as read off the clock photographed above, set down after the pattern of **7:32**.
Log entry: **5:27**
